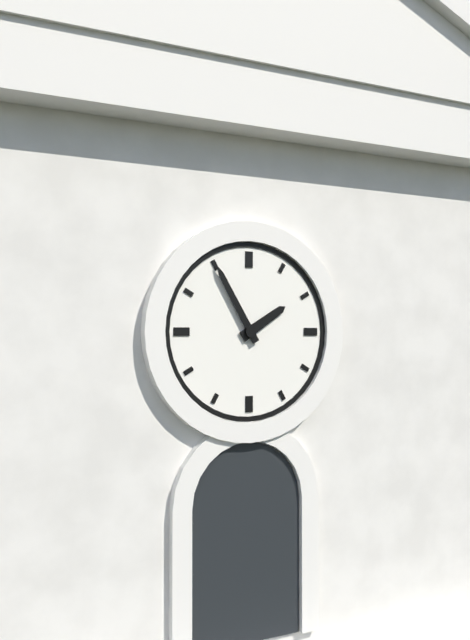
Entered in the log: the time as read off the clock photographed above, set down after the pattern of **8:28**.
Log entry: **1:55**
